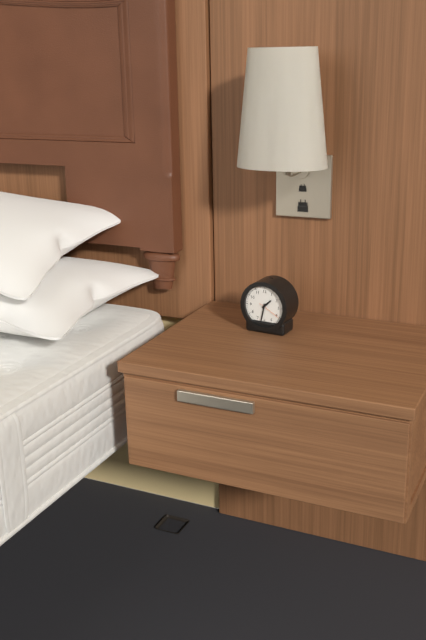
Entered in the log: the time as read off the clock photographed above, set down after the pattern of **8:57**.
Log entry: **1:32**
